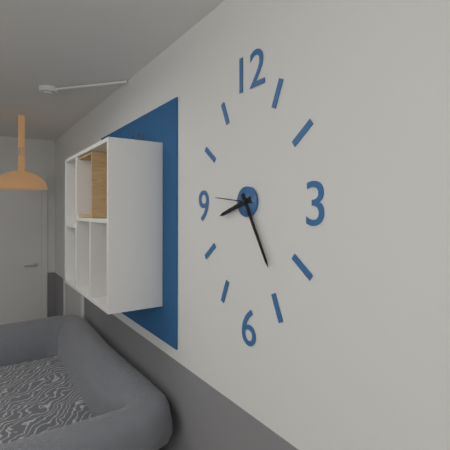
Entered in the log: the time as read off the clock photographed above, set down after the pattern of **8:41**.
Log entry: **8:25**
